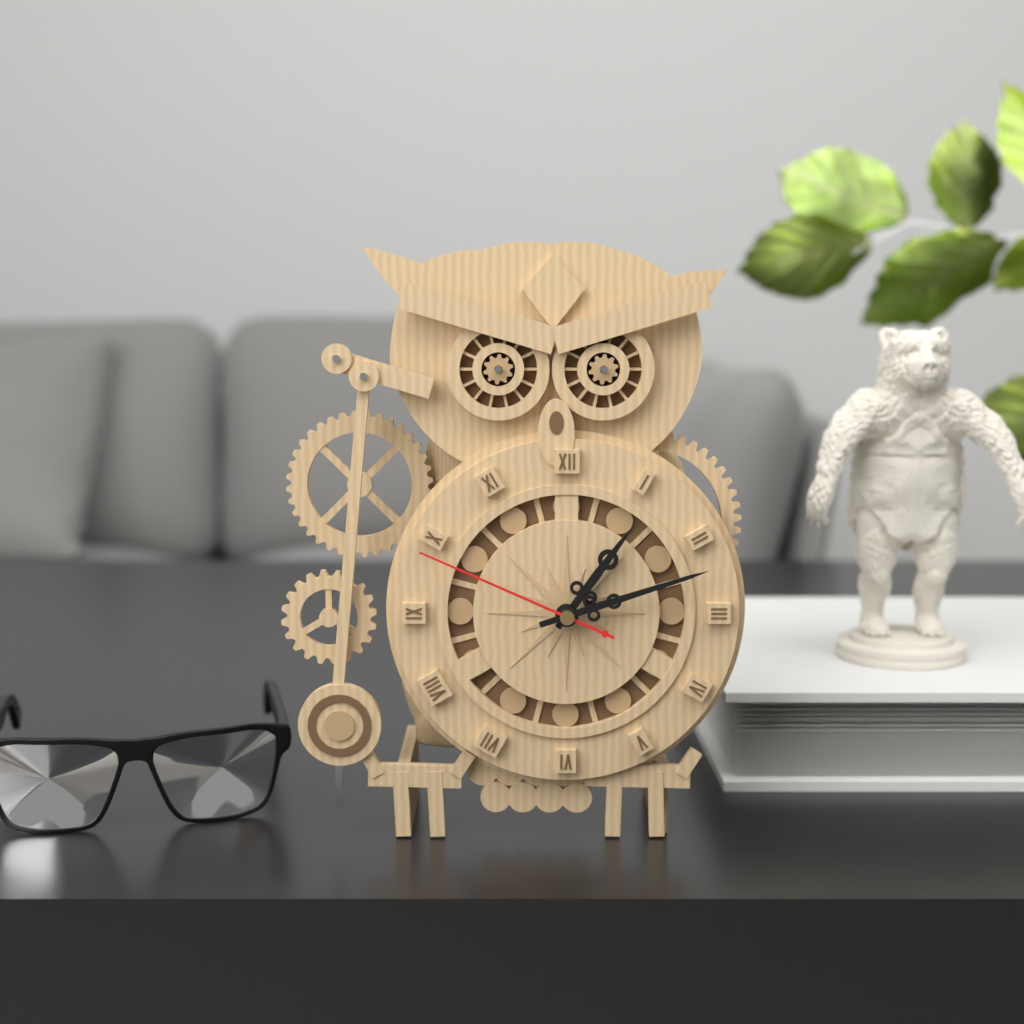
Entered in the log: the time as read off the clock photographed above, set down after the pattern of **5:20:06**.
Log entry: **1:12:49**
